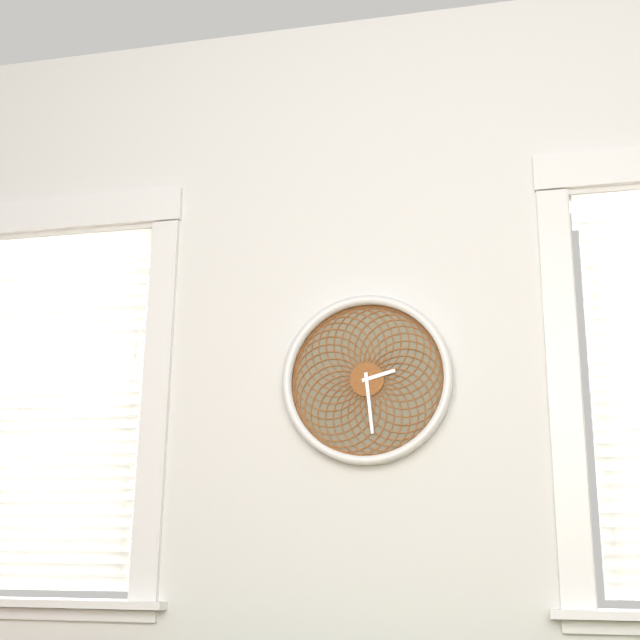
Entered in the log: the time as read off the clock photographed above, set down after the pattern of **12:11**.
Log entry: **2:29**
